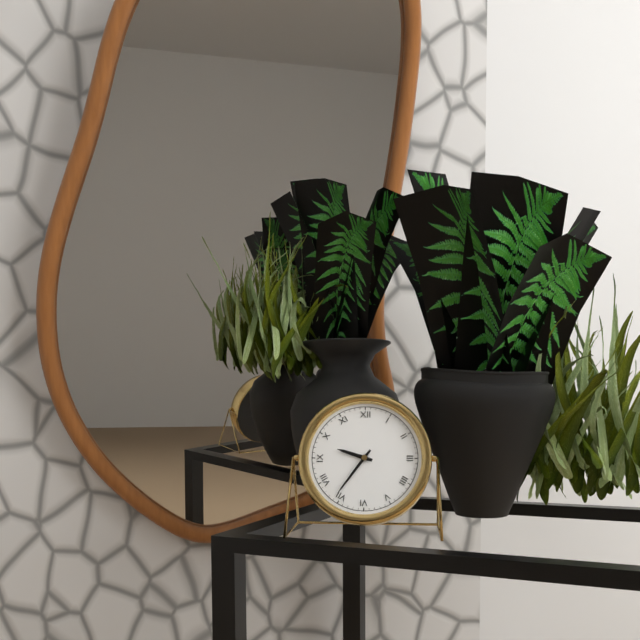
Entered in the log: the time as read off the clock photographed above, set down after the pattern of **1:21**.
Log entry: **9:36**
